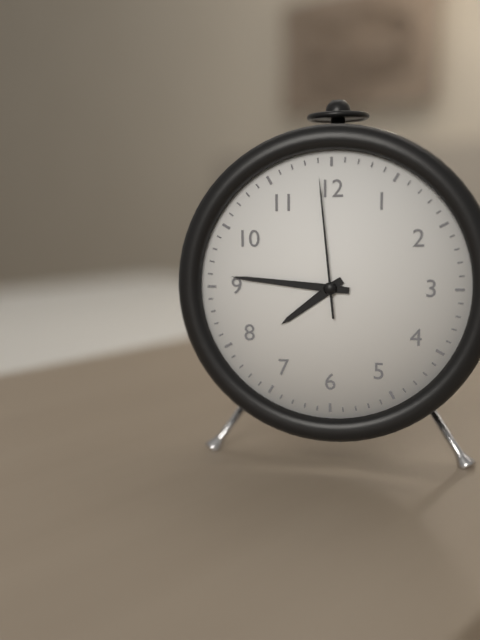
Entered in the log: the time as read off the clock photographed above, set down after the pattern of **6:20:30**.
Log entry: **7:46:59**
